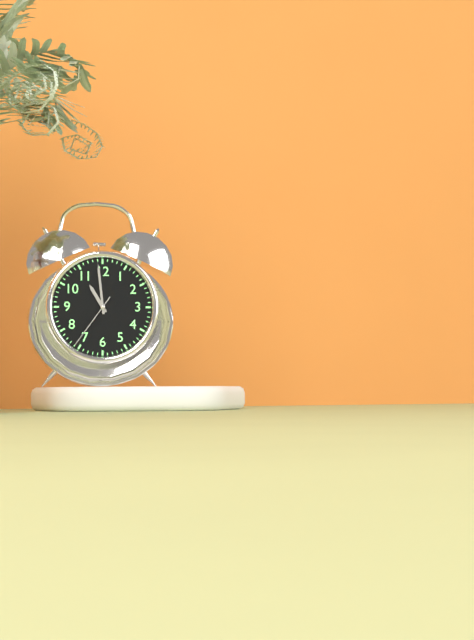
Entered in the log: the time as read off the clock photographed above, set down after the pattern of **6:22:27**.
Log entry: **10:59:36**
